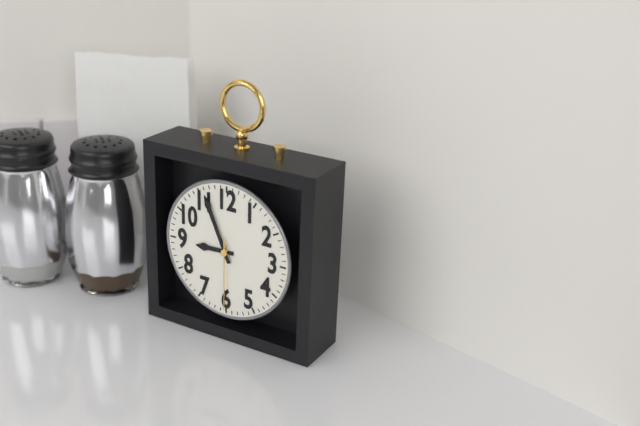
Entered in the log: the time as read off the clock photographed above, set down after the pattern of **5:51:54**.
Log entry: **8:56:30**
